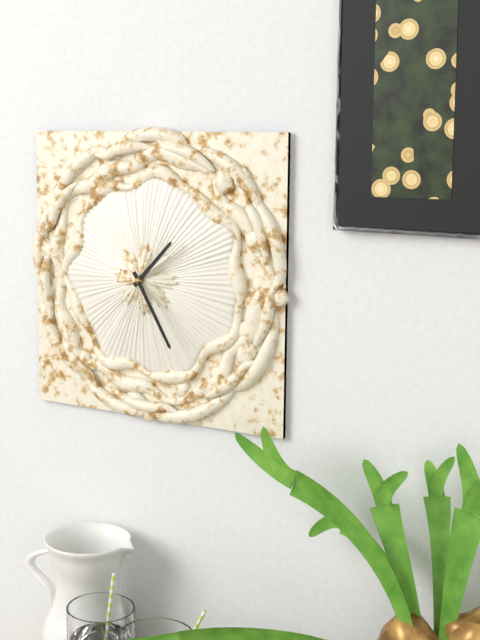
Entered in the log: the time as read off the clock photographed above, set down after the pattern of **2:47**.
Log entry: **1:25**
